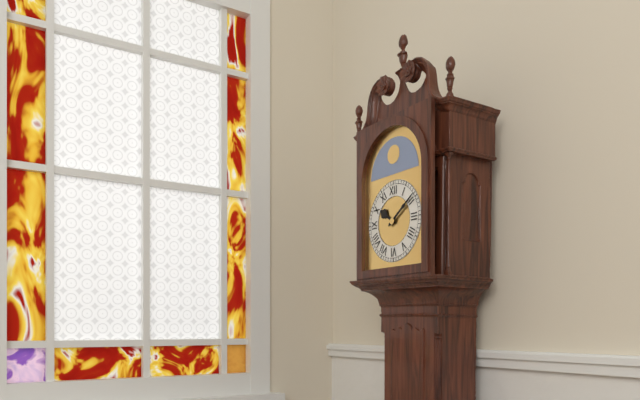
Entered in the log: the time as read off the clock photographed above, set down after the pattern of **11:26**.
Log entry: **10:09**
